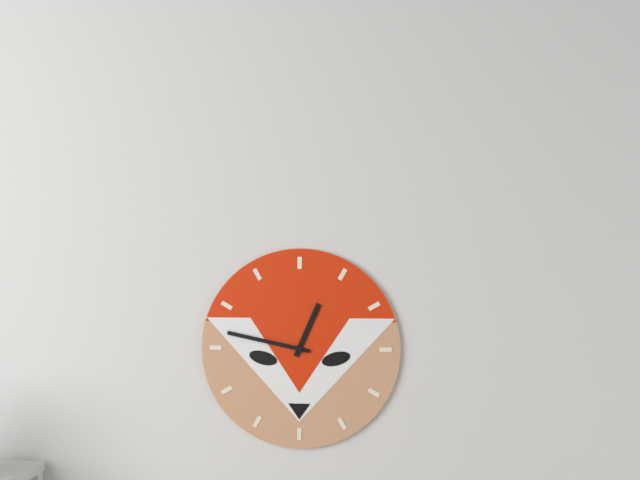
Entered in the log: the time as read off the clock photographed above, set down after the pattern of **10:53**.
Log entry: **12:47**
